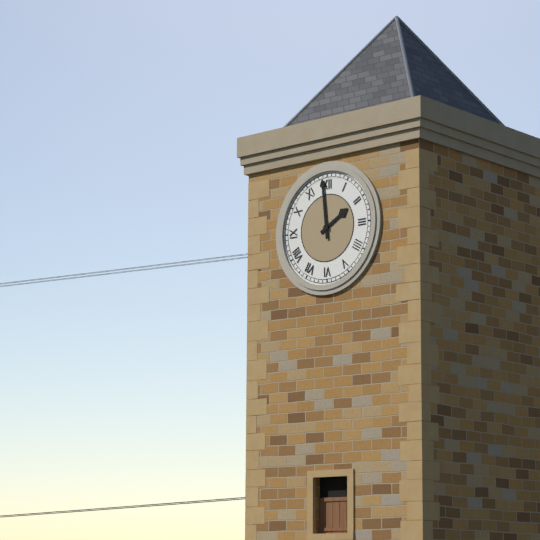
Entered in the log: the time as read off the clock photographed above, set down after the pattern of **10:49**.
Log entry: **1:59**
